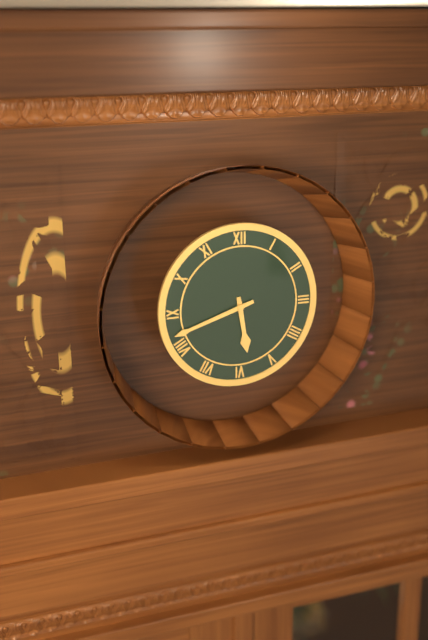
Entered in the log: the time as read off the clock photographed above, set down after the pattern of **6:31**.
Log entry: **5:42**
